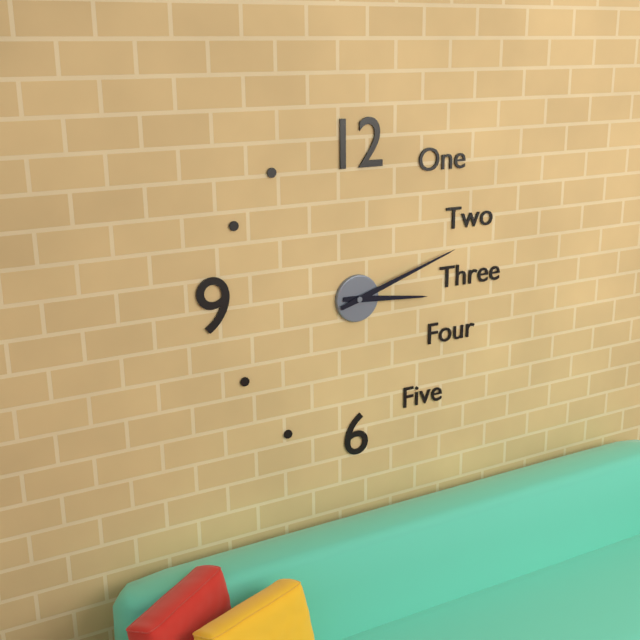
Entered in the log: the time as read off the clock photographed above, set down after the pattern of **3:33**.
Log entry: **3:12**
